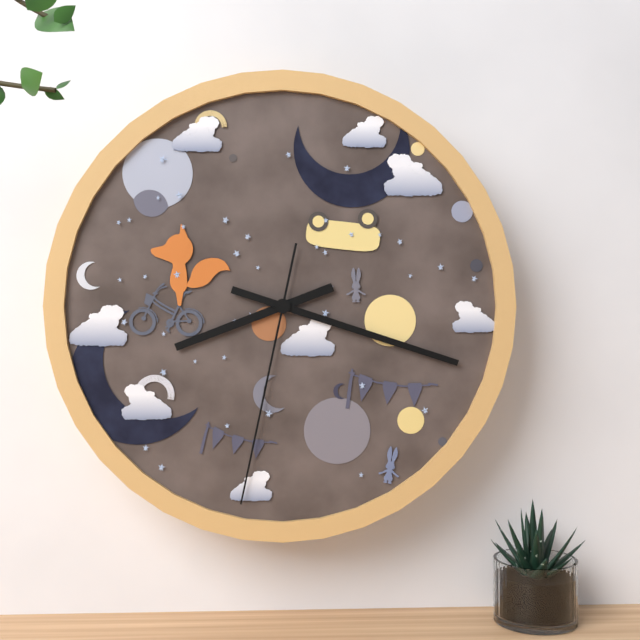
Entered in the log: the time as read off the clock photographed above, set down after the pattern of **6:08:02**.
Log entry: **8:18:32**
